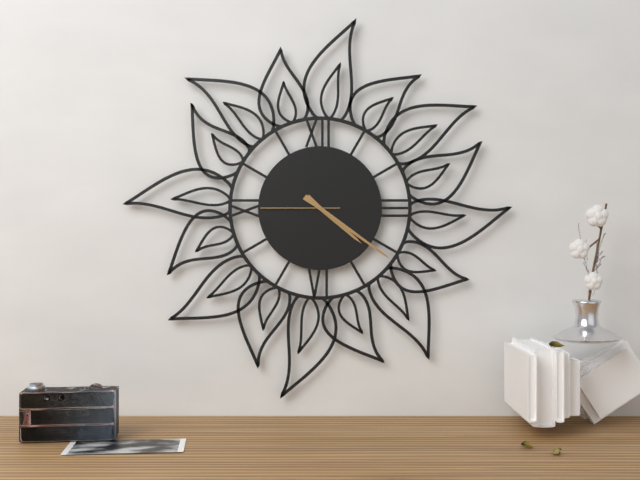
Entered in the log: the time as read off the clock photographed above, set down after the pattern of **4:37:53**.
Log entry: **4:21:45**
